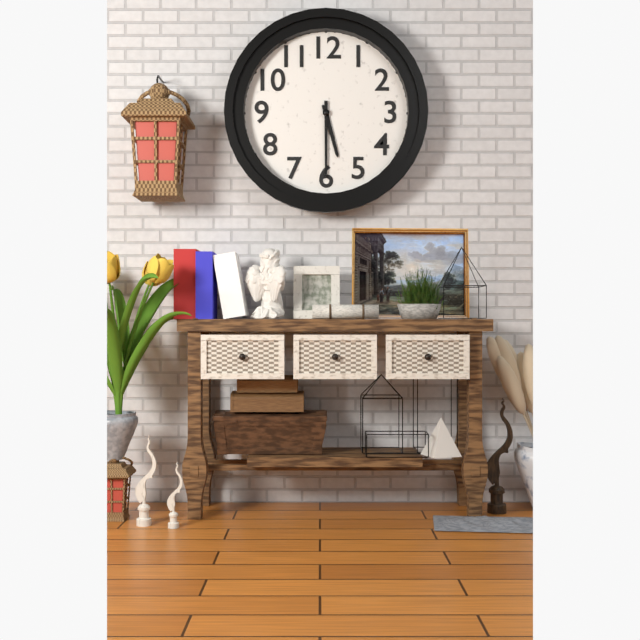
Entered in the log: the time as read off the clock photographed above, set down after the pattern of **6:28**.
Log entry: **5:30**
